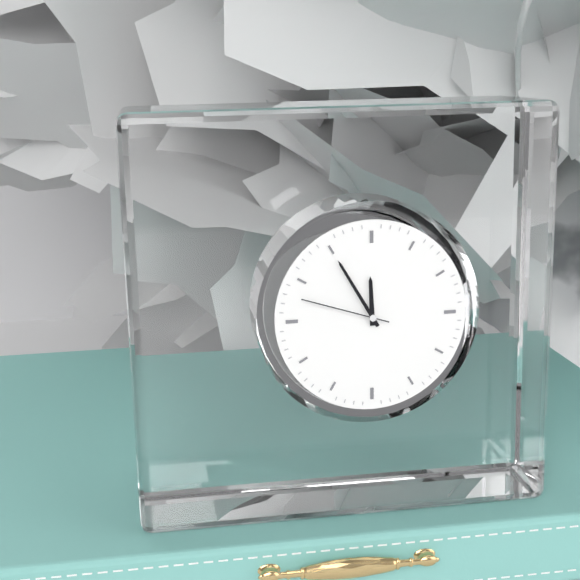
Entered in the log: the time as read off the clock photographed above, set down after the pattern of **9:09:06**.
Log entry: **11:55:48**
